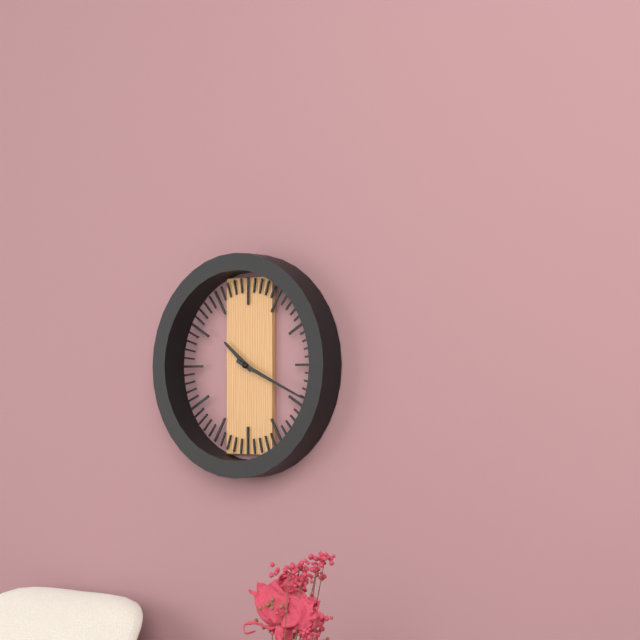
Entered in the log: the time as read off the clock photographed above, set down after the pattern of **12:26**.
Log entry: **10:19**
